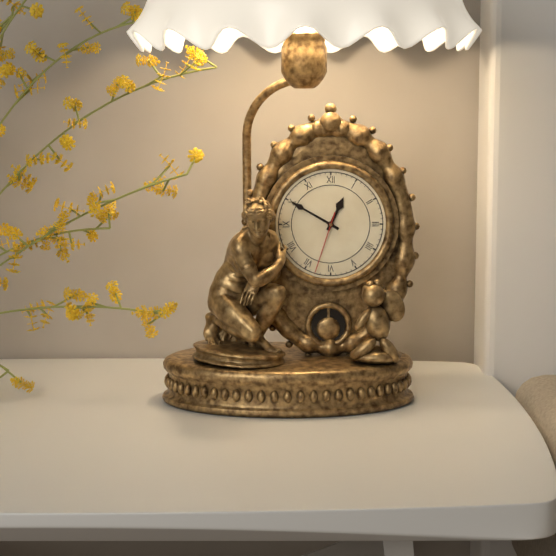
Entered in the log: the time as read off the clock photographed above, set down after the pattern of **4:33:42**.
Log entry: **12:50:33**
